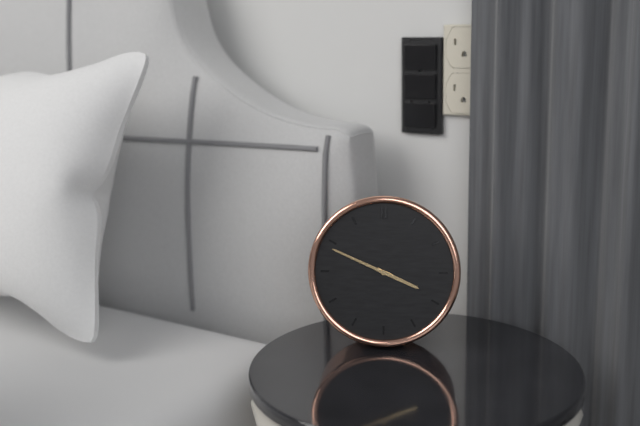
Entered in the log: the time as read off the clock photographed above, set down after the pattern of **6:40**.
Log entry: **3:49**
